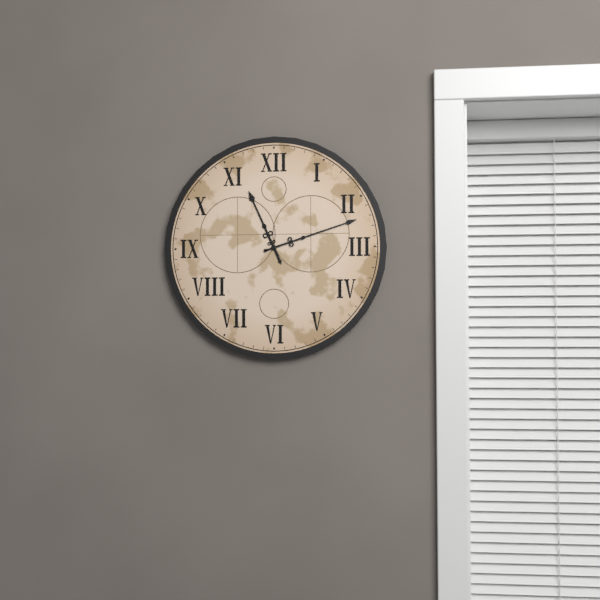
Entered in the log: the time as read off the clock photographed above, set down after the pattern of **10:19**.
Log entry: **11:12**
